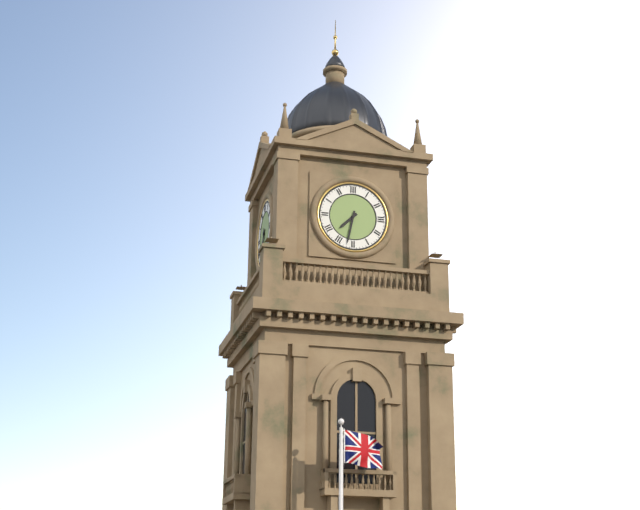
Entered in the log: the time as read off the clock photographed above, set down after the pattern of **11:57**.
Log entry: **7:32**
